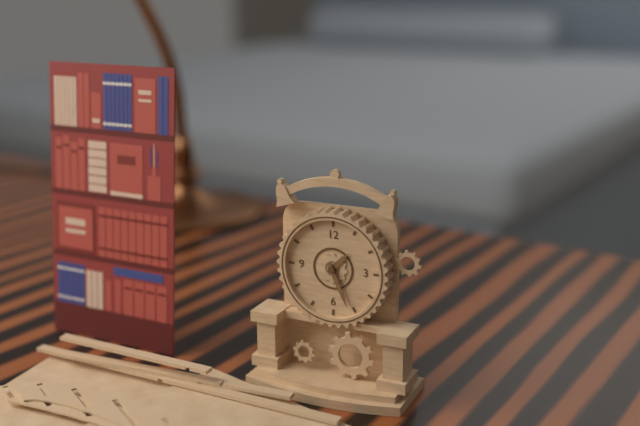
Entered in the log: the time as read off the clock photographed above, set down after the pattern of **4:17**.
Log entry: **1:26**
